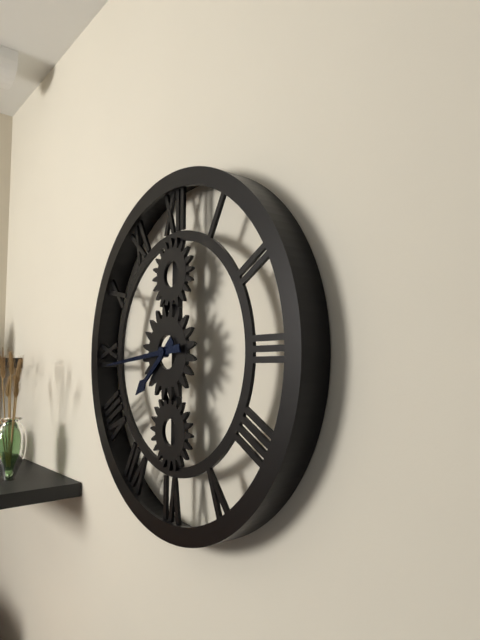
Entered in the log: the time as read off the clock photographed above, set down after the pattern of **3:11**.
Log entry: **7:44**
